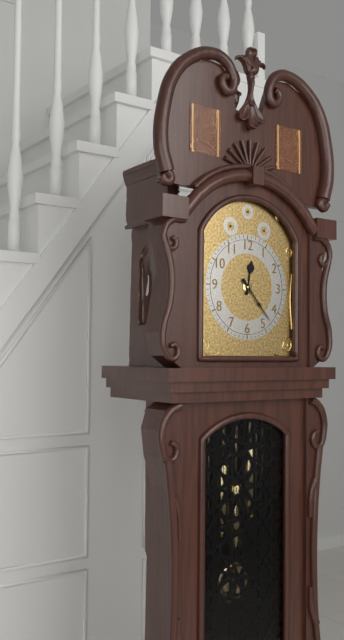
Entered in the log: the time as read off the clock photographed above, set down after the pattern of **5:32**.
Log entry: **12:23**
